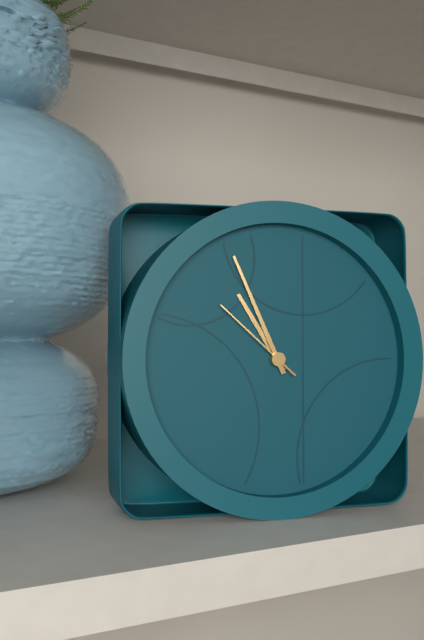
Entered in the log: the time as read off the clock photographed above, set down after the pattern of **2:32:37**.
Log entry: **10:56:52**
